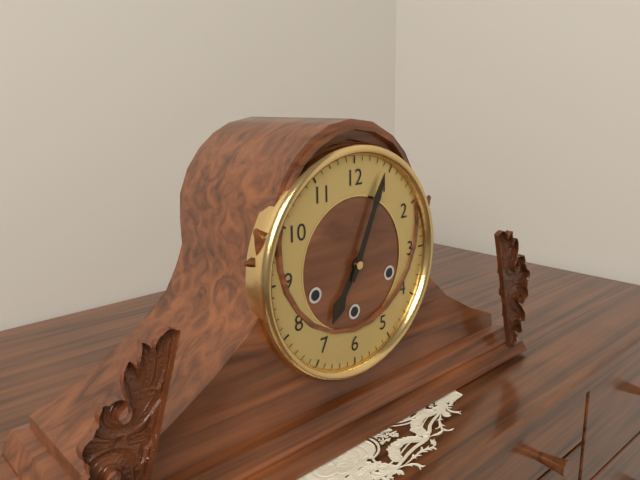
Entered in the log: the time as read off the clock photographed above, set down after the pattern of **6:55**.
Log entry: **7:04**
